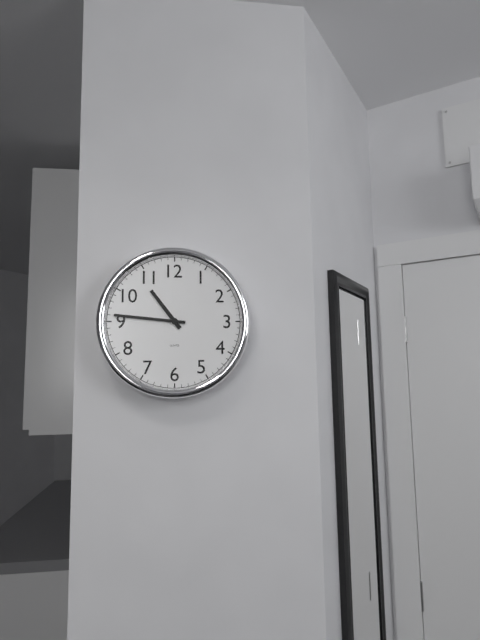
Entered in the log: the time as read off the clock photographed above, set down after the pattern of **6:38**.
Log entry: **10:46**
